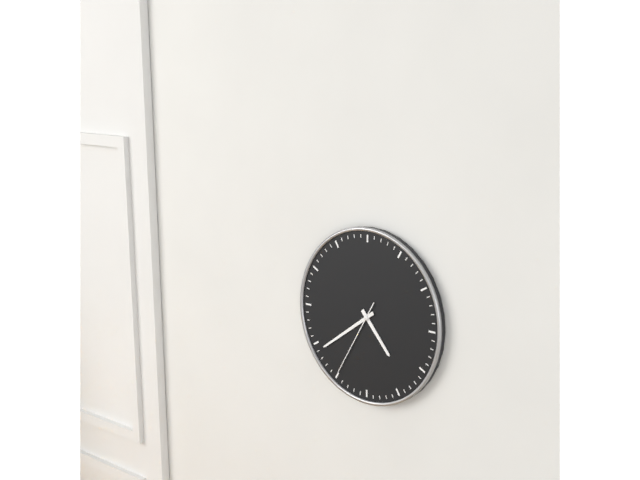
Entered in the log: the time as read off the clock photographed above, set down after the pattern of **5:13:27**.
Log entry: **4:39:35**
